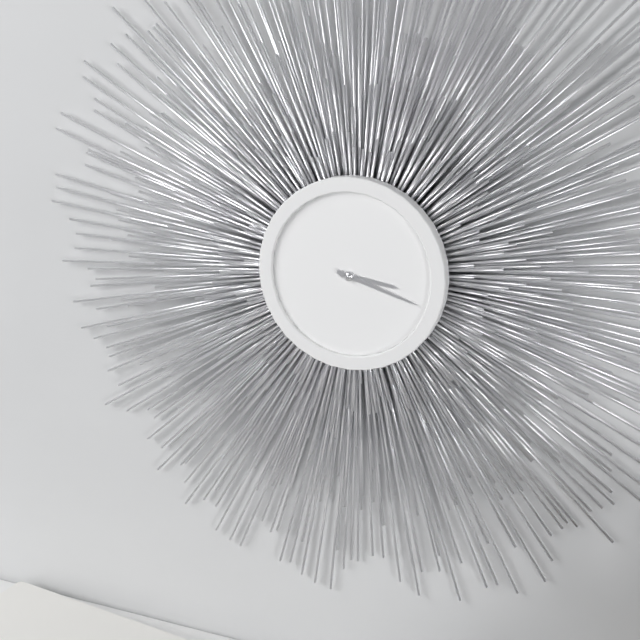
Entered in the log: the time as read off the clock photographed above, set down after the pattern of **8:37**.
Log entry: **3:18**
